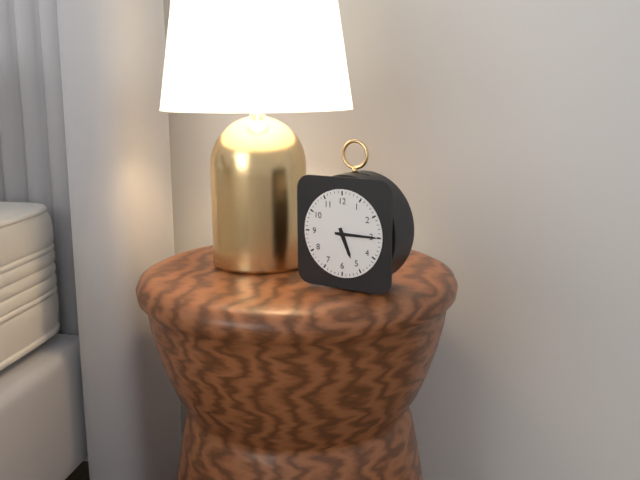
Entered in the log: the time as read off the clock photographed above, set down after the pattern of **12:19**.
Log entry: **5:15**
